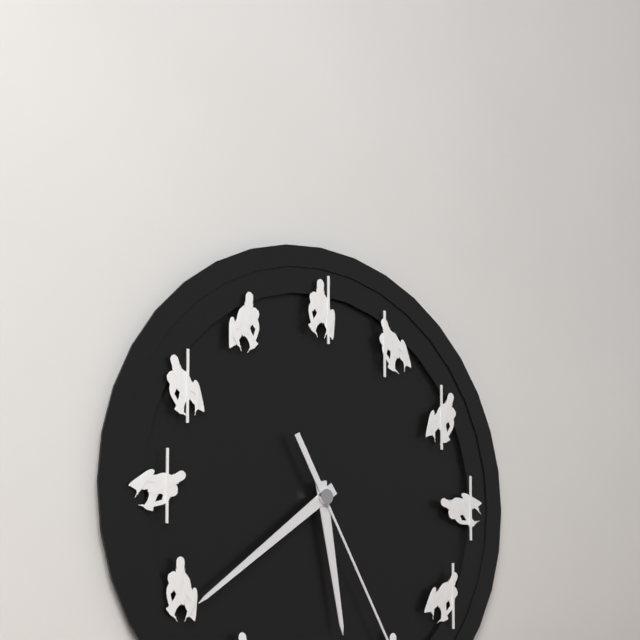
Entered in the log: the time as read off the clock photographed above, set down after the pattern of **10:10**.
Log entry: **5:39**
